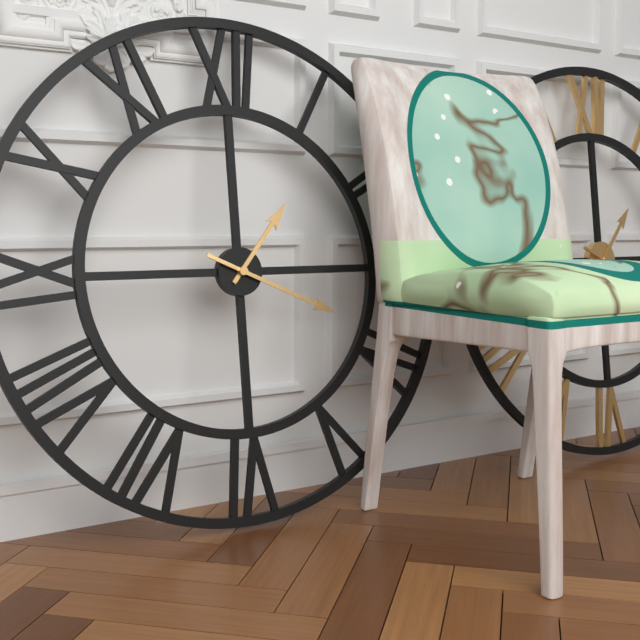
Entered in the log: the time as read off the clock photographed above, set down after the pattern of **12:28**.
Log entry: **1:19**
